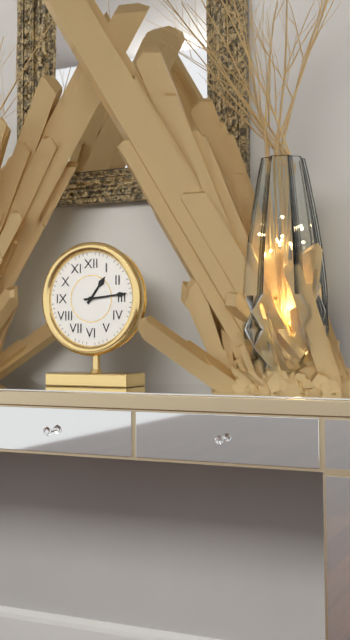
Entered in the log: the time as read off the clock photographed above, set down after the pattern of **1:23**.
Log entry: **1:14**
